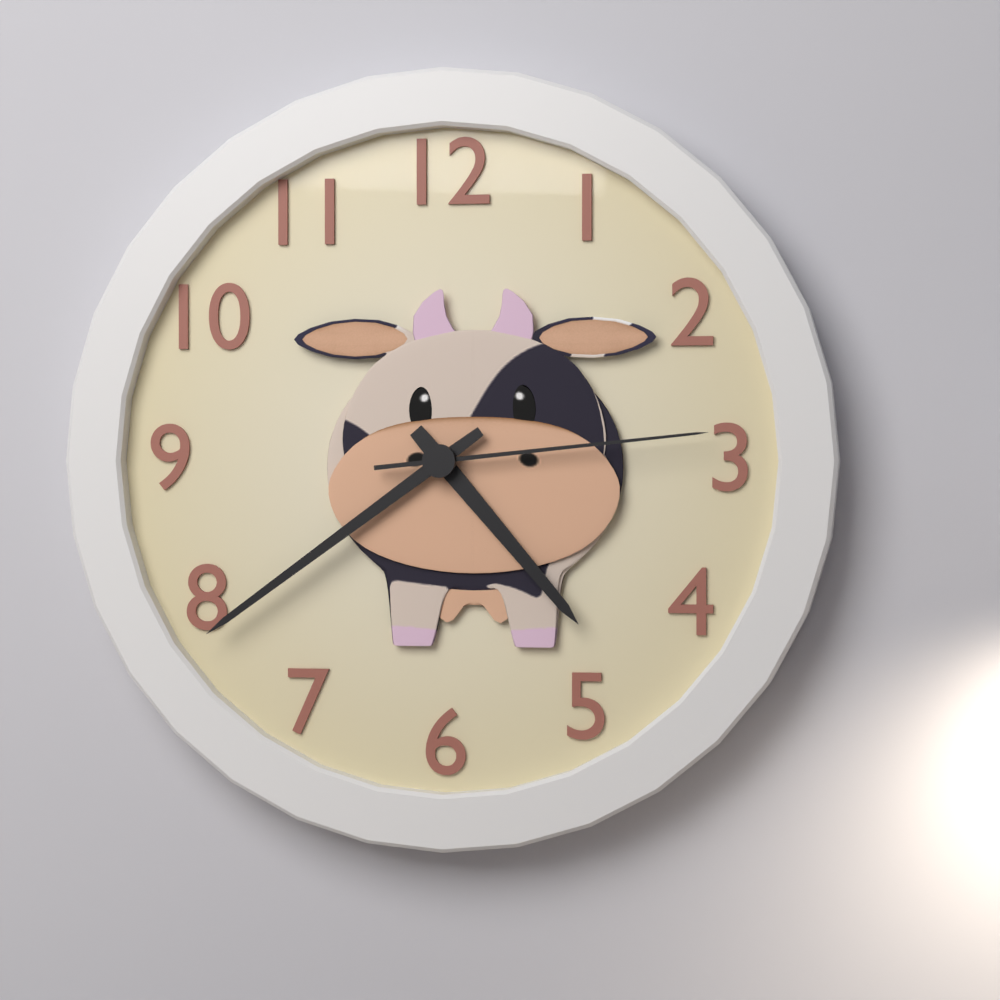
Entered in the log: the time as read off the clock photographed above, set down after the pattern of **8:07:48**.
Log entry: **4:39:14**
